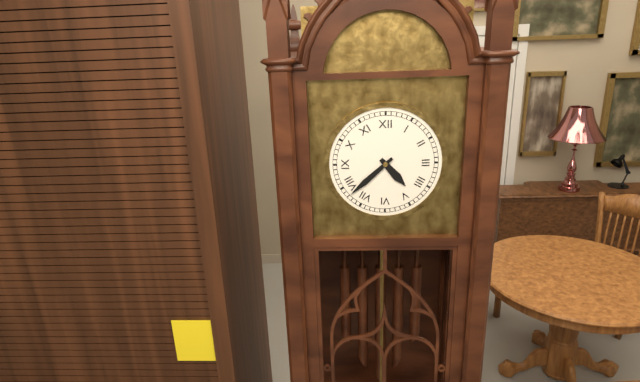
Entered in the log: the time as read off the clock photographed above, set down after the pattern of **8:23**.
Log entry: **4:38**
